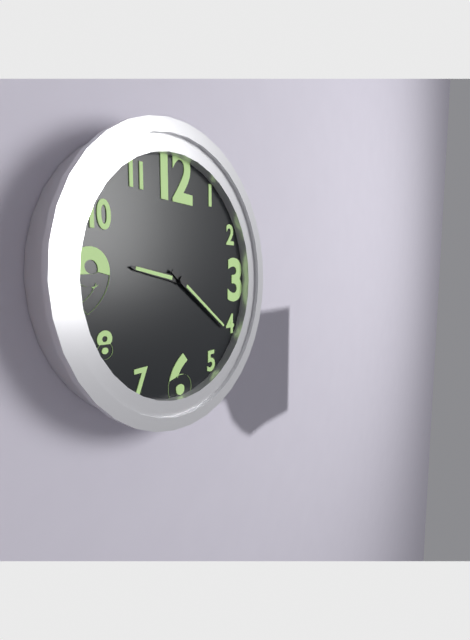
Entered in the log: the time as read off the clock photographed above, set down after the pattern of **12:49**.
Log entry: **9:21**
